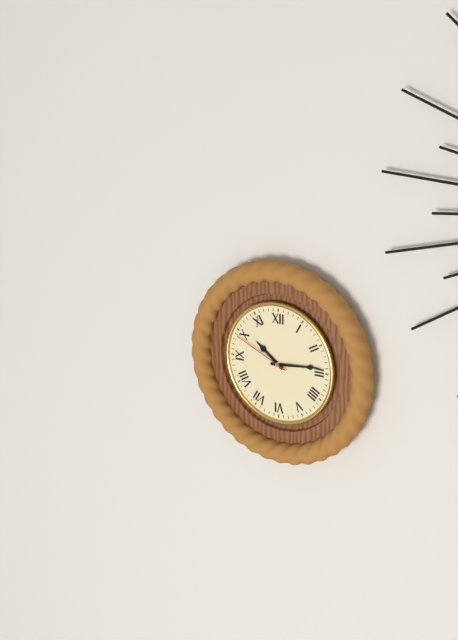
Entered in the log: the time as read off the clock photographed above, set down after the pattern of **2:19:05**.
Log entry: **10:14:49**
